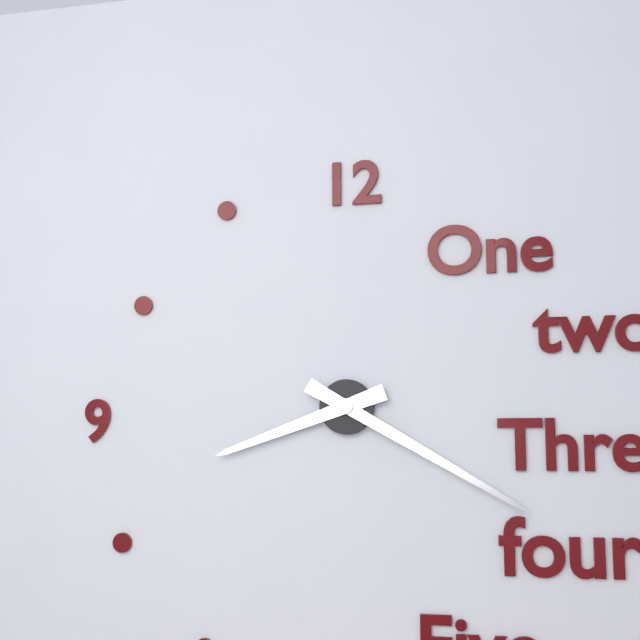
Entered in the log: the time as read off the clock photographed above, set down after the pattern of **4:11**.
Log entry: **8:20**
